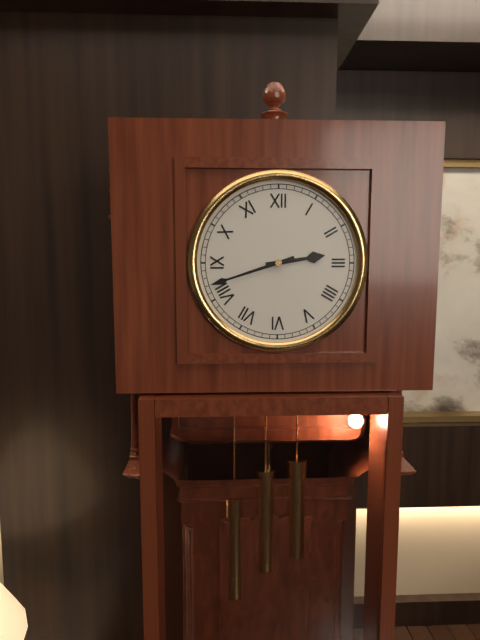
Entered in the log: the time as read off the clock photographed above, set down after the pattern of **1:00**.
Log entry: **2:42**
